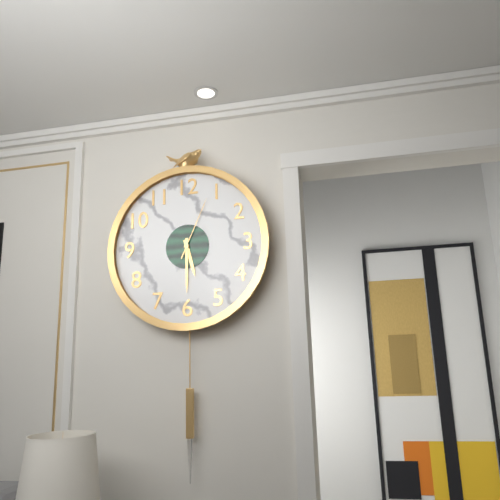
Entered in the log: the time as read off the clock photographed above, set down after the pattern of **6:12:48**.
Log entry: **5:30:04**
